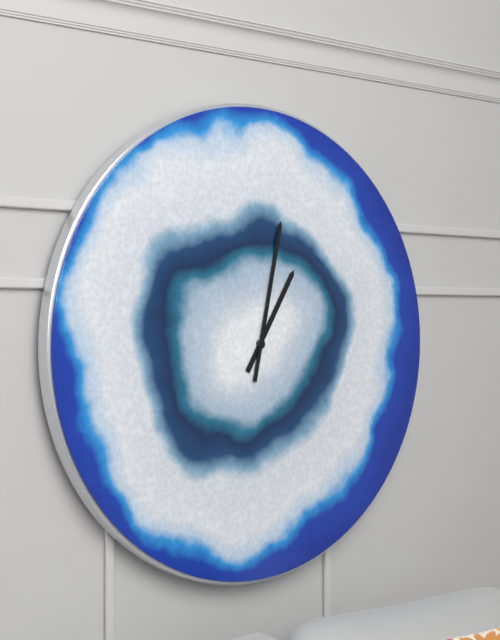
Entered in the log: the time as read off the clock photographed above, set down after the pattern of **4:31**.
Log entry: **1:02**
